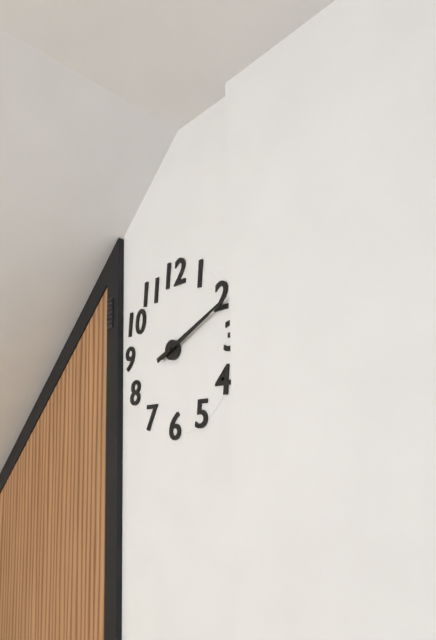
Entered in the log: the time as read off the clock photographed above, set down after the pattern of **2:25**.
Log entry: **2:11**
